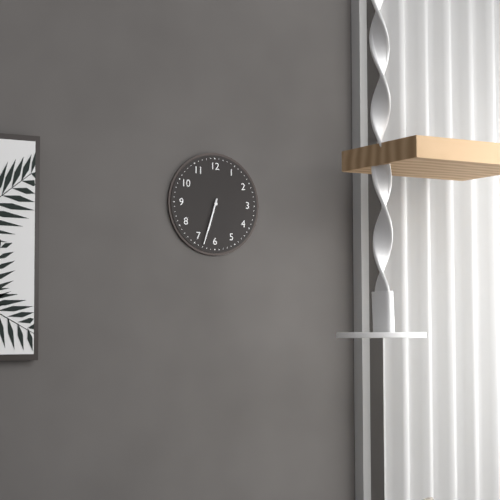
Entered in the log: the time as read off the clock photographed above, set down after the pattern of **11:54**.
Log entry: **6:33**
